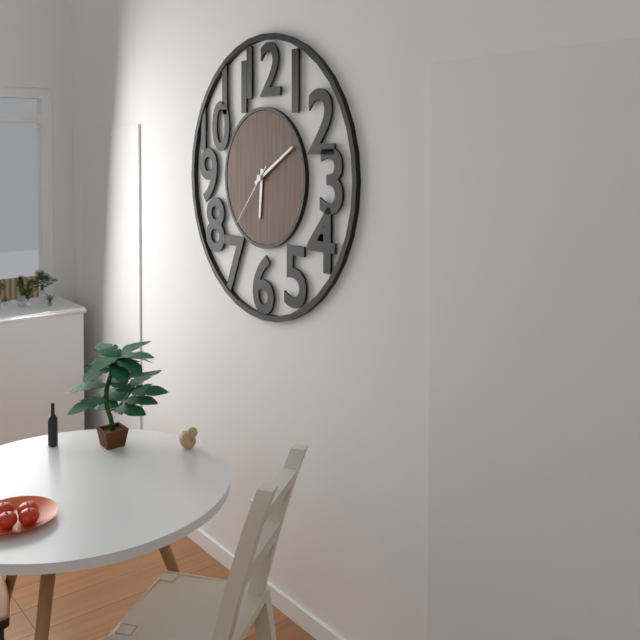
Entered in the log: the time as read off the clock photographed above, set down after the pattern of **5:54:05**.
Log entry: **6:10:37**
